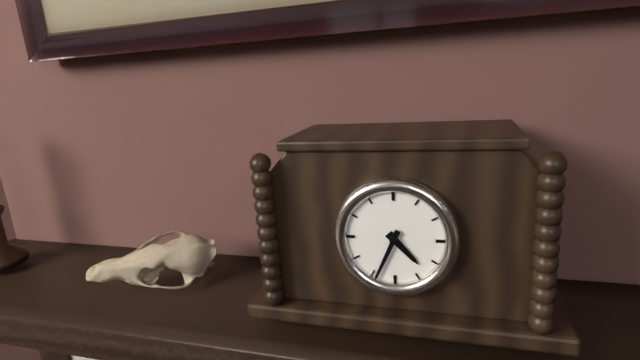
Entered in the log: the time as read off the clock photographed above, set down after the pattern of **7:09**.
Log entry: **4:34**
